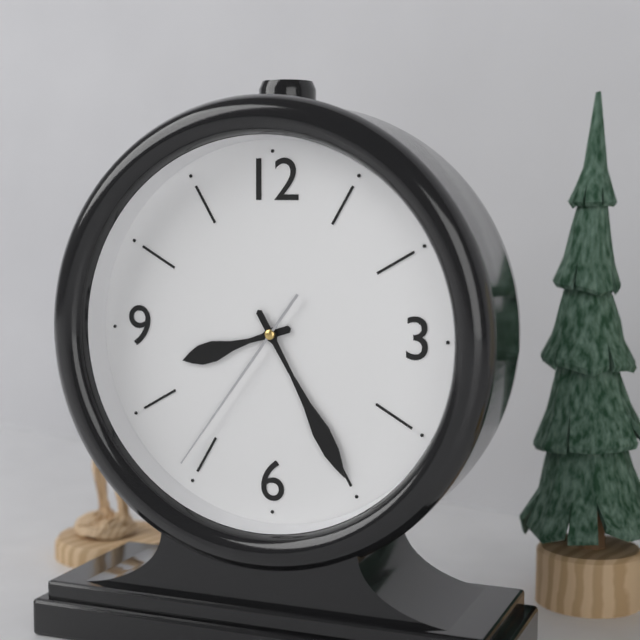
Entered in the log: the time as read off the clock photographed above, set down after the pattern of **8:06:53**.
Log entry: **8:25:36**
